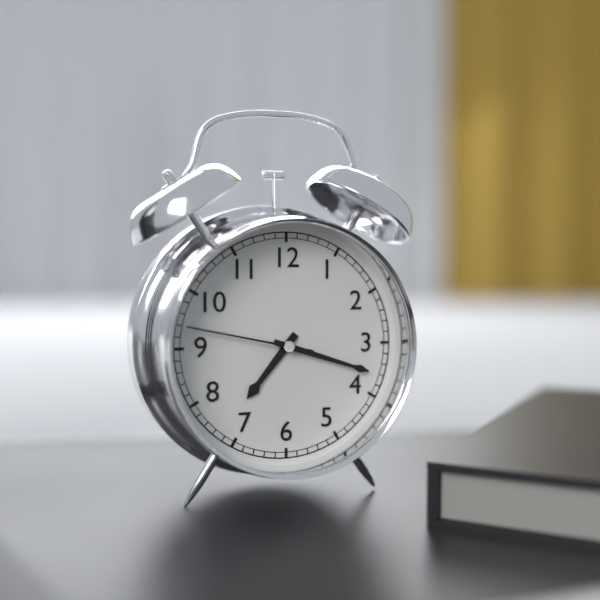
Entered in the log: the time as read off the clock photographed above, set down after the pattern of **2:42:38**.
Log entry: **7:18:47**
